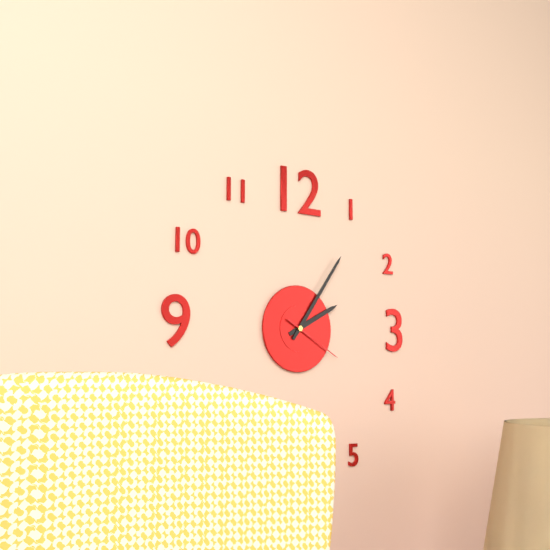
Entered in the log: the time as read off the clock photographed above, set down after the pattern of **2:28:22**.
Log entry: **2:06:20**
